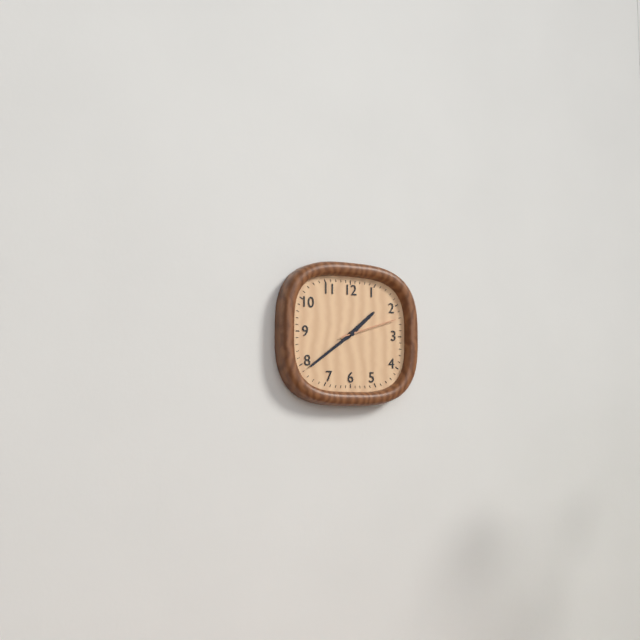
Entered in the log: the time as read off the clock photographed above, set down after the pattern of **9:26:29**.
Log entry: **1:39:12**
